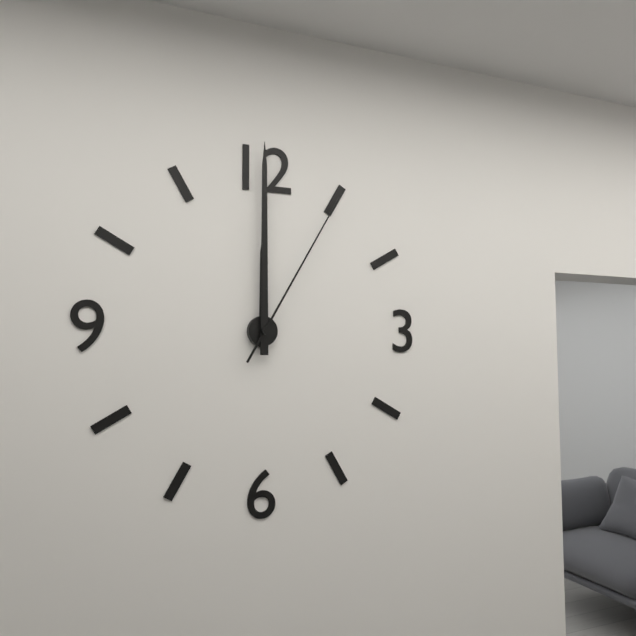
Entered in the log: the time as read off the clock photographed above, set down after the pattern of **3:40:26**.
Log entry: **12:00:05**
